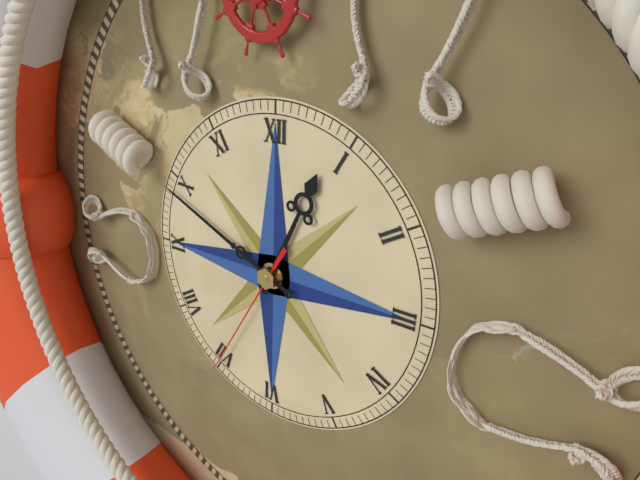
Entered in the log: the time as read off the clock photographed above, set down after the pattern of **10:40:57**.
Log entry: **12:49:35**
